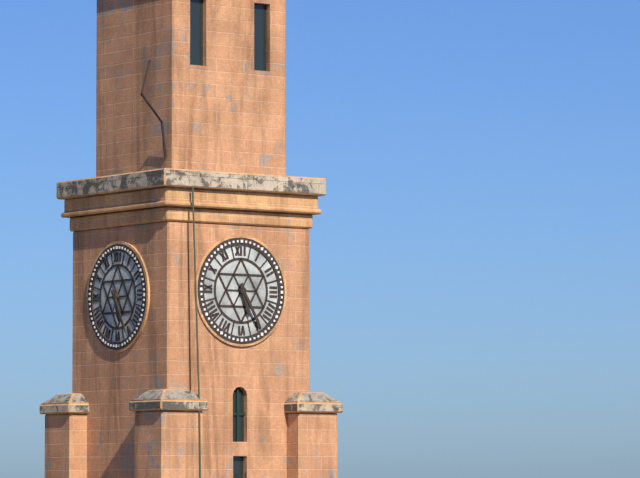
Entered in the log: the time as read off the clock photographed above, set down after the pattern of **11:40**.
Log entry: **5:25**
